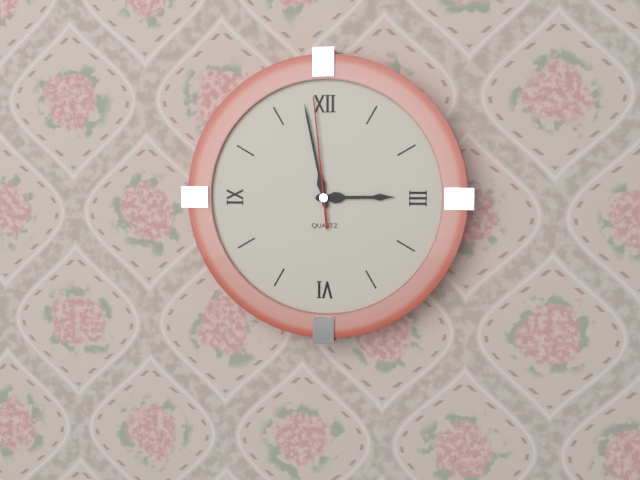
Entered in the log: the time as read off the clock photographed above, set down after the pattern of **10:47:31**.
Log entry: **2:58:59**
